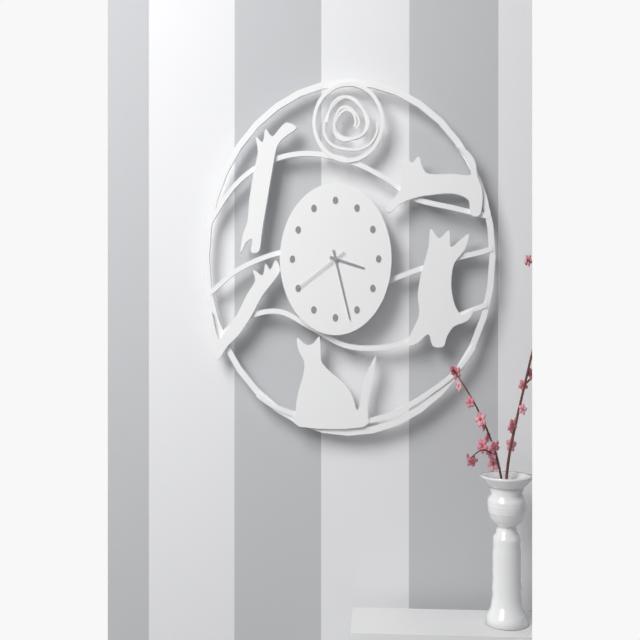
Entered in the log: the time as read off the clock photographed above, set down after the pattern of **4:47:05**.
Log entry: **3:27:40**
